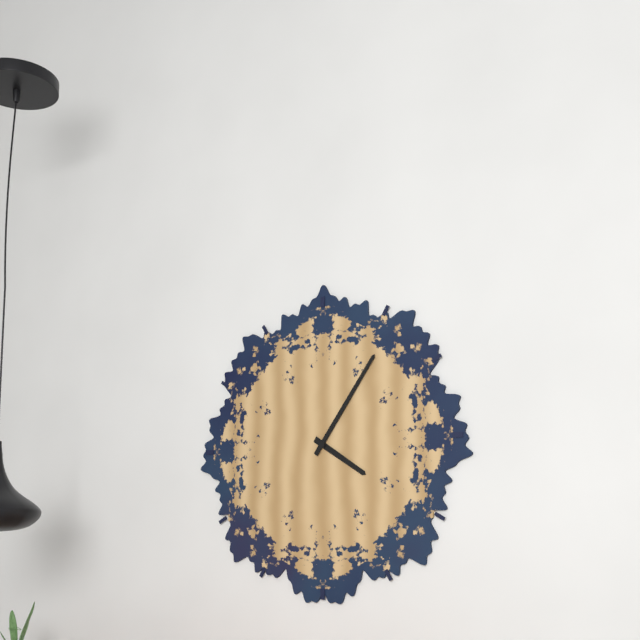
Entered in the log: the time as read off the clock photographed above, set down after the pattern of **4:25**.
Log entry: **4:06**
